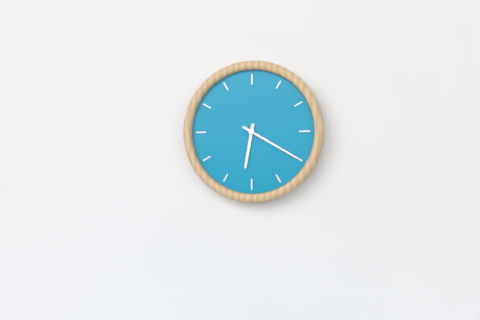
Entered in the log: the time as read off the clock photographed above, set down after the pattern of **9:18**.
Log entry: **6:20**
